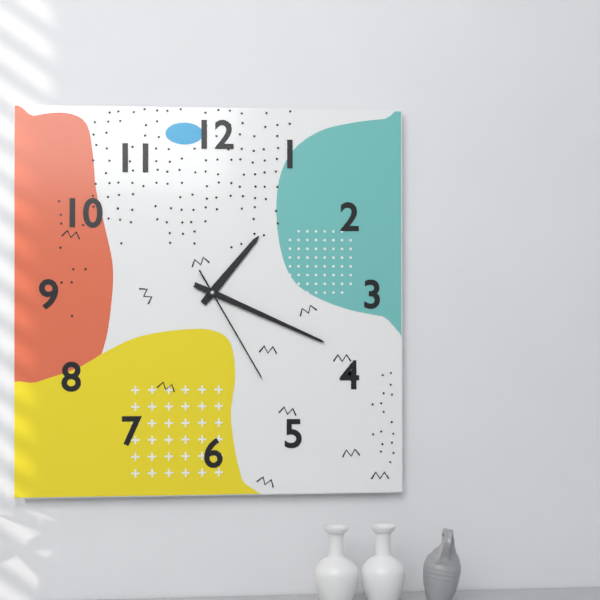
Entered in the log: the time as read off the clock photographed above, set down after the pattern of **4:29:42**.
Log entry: **1:19:25**
